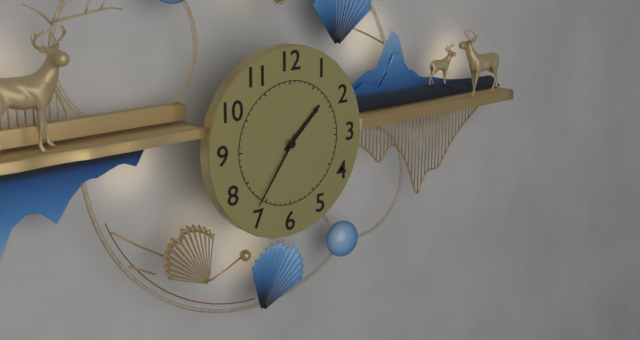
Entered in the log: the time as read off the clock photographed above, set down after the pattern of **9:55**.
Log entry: **1:36**
